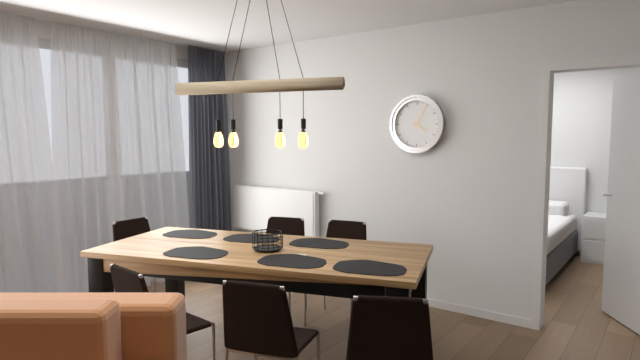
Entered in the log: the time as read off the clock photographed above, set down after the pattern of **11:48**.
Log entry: **4:05**
